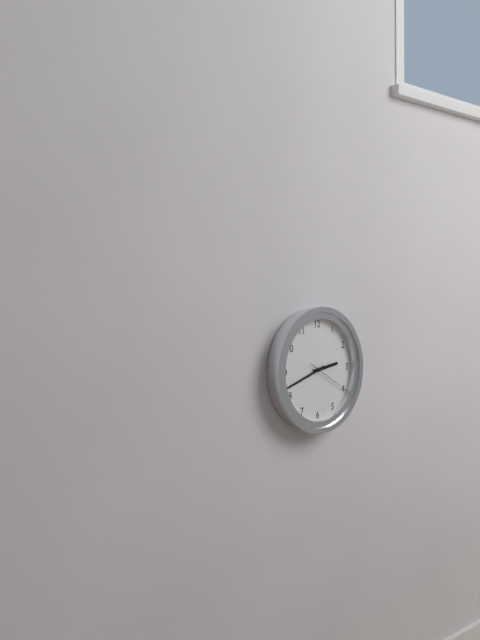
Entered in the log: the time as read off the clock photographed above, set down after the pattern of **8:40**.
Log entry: **2:42**
